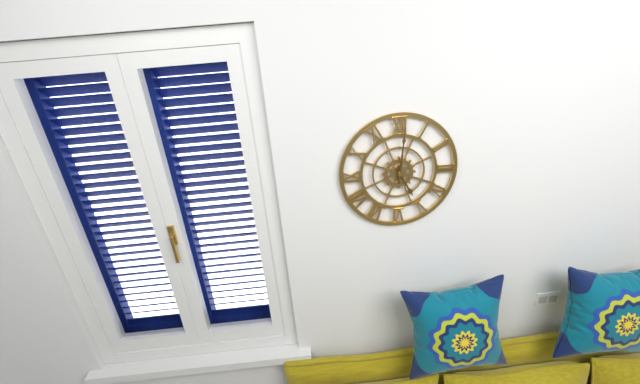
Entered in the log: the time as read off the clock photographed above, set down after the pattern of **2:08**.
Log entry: **5:01**
